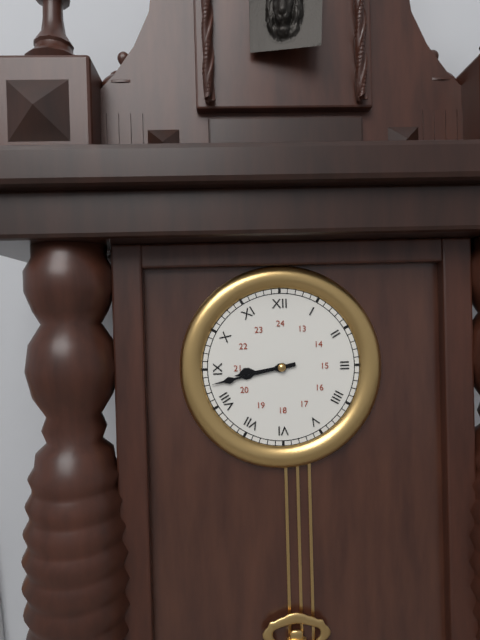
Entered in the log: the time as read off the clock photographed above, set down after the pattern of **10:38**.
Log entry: **8:43**
